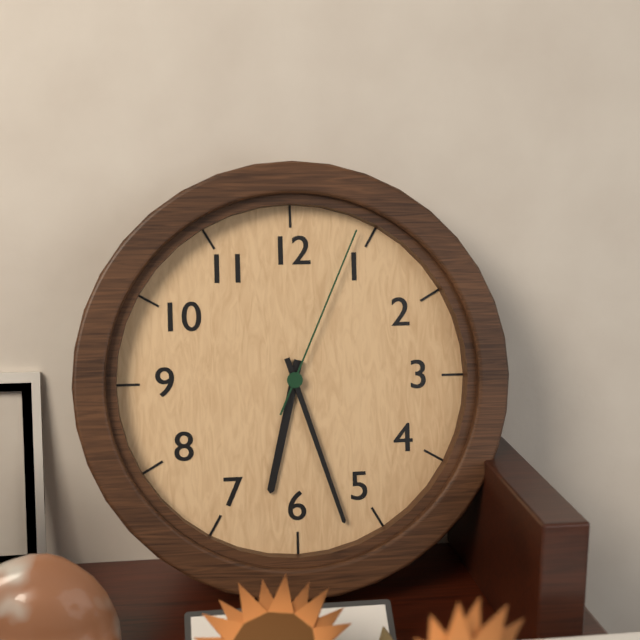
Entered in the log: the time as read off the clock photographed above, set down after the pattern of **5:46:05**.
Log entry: **6:27:04**
